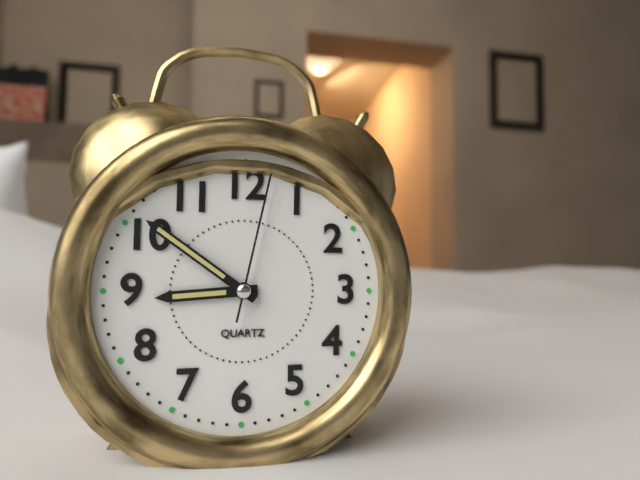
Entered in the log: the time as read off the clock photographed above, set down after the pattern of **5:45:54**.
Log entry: **8:51:02**
